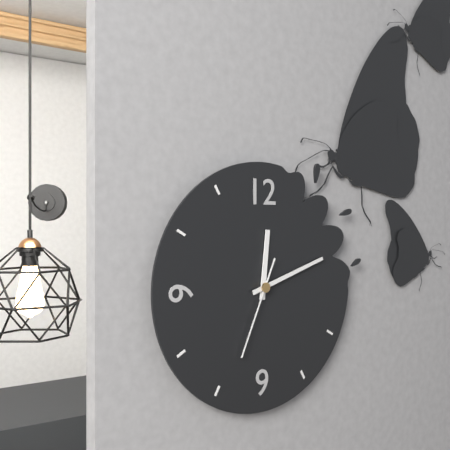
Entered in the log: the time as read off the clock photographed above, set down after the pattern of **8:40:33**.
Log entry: **12:12:34**
